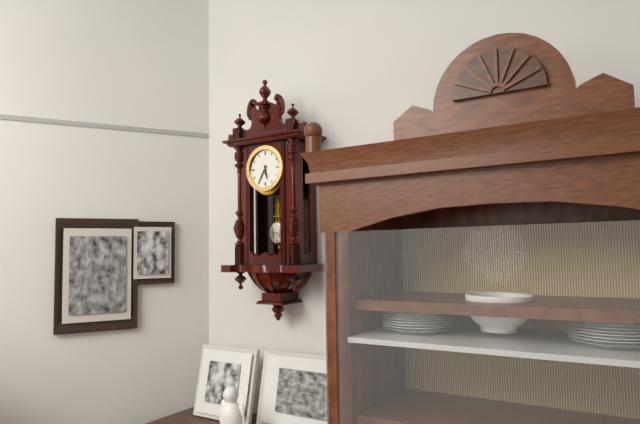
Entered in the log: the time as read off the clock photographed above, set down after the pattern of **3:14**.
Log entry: **5:35**
